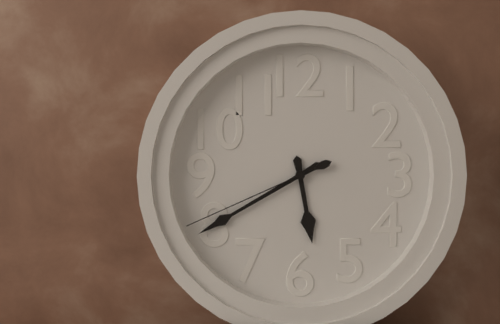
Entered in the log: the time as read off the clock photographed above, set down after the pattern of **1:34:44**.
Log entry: **5:40:41**
